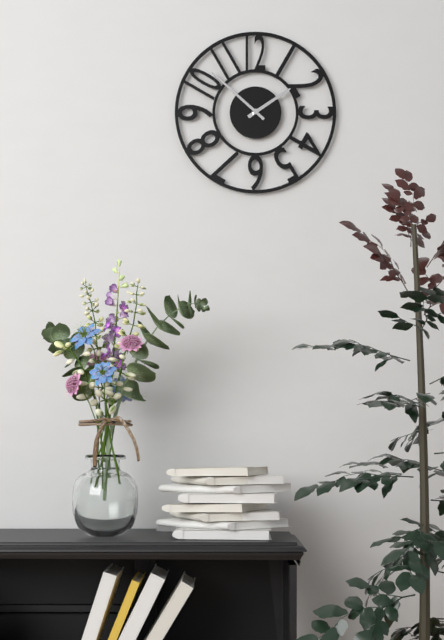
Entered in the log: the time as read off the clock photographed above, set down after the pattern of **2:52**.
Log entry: **1:52**
